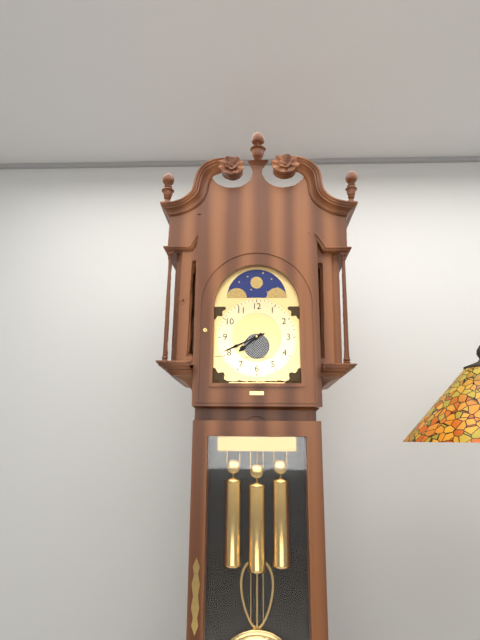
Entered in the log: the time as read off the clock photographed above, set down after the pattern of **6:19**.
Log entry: **7:41**
